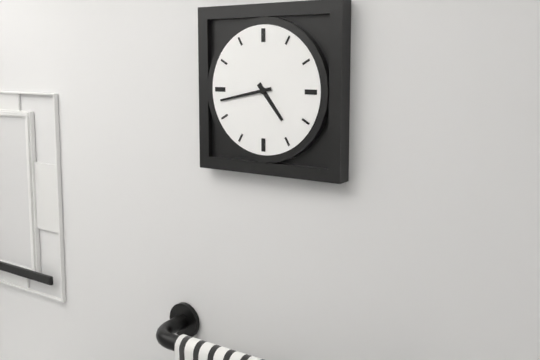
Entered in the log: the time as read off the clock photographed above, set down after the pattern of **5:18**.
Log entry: **4:43**
